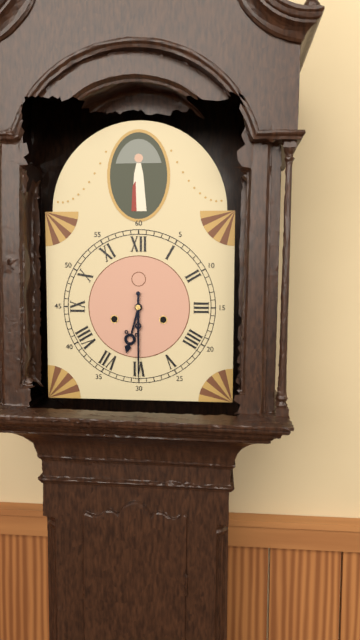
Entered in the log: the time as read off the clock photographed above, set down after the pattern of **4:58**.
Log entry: **6:30**
